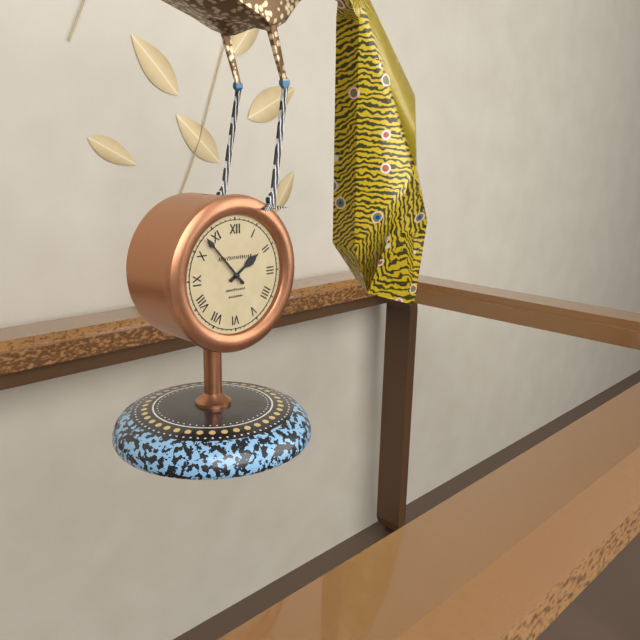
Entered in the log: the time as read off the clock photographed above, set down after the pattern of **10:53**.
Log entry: **1:53**
